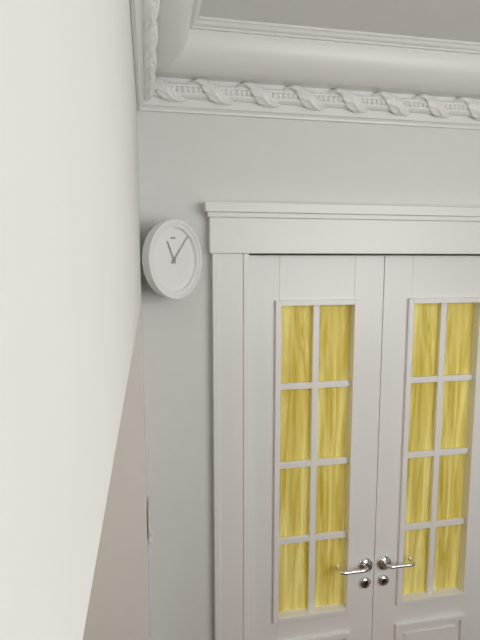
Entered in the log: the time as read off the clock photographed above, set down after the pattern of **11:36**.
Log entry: **11:07**
